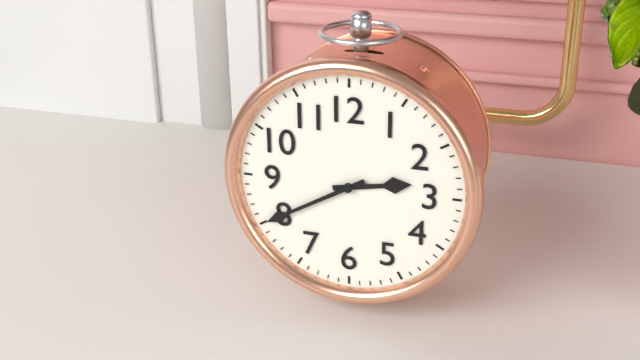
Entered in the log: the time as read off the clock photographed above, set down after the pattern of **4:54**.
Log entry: **2:40**
